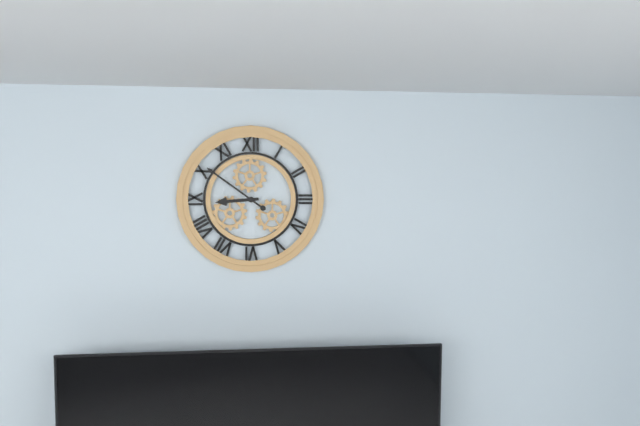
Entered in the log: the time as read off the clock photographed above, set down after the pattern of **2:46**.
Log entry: **8:51**
